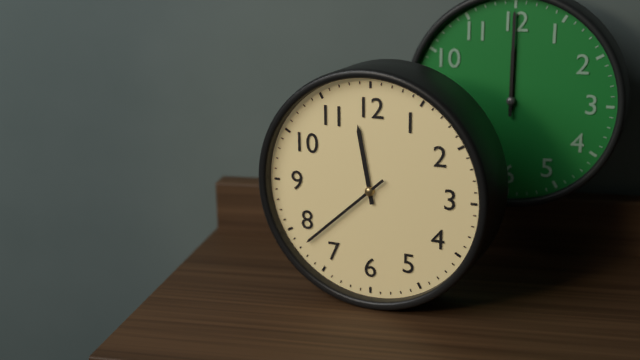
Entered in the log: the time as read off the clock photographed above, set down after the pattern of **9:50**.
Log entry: **11:38**
